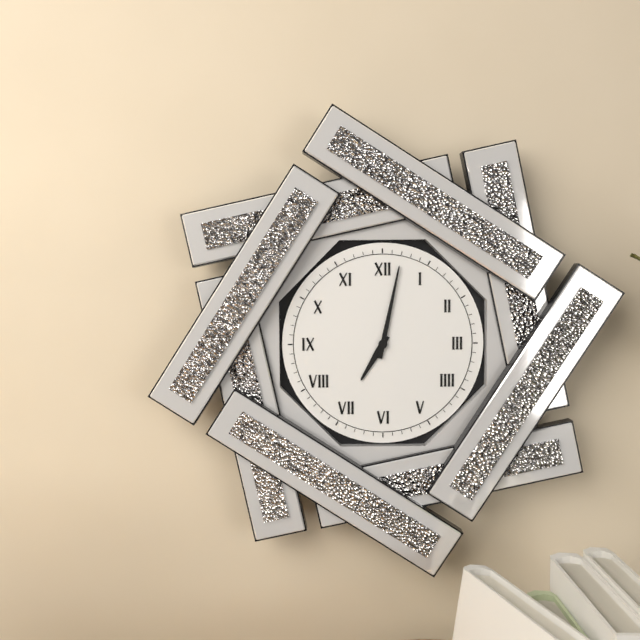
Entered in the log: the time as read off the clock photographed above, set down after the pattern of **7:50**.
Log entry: **7:02**
